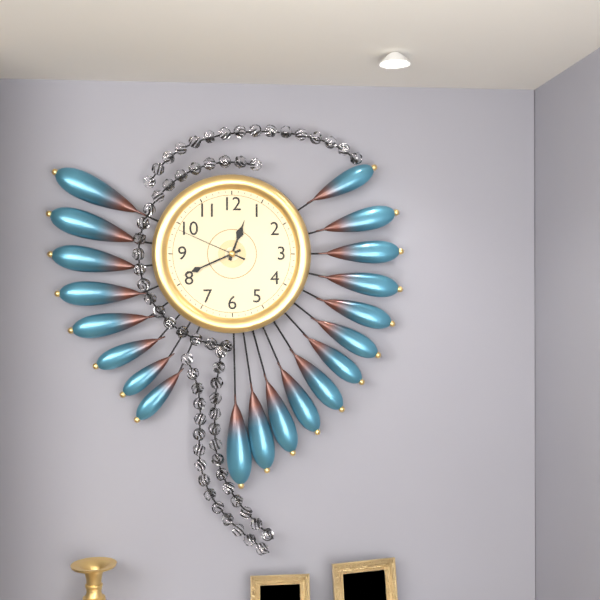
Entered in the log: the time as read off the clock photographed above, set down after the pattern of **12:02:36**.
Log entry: **12:41:49**
